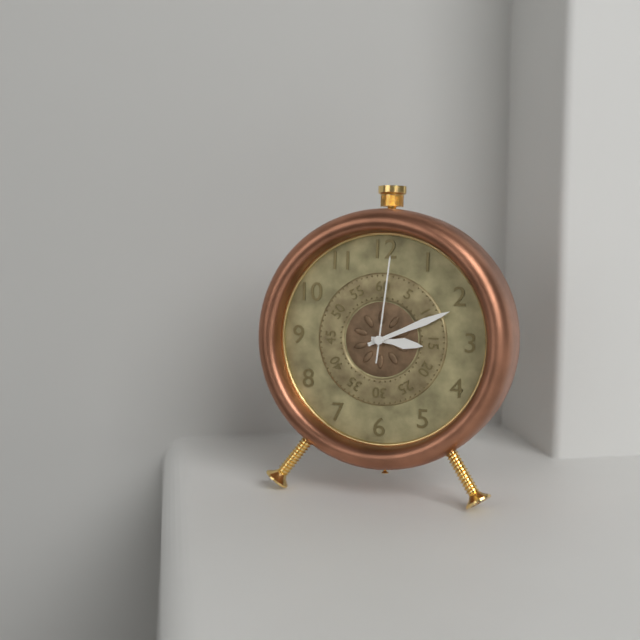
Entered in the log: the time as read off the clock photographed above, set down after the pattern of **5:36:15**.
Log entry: **3:11:01**
